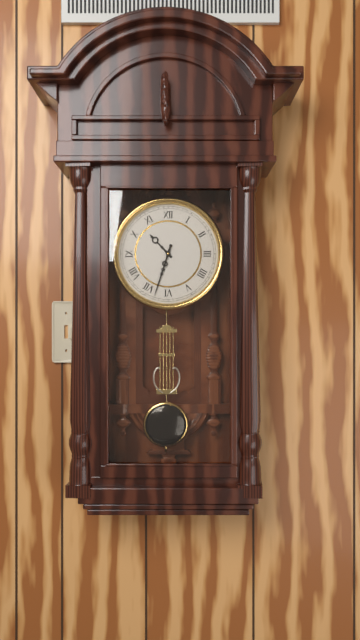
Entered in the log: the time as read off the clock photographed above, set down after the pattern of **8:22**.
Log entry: **10:33**
